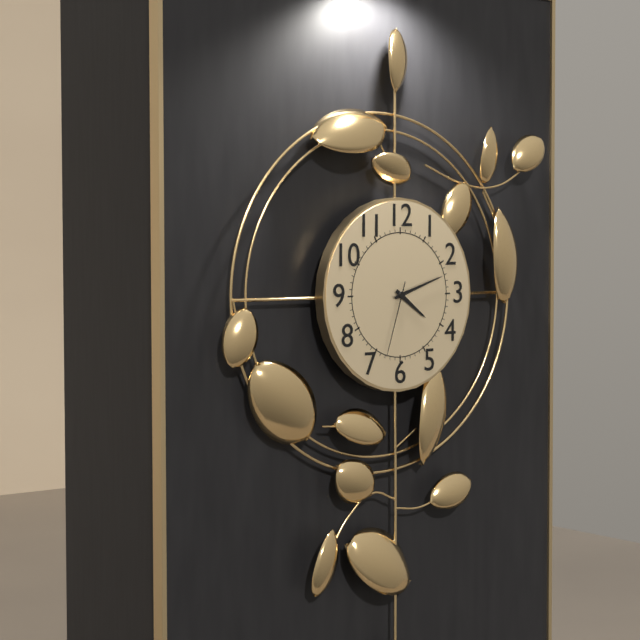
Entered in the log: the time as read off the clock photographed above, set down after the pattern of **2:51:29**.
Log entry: **4:12:33**
